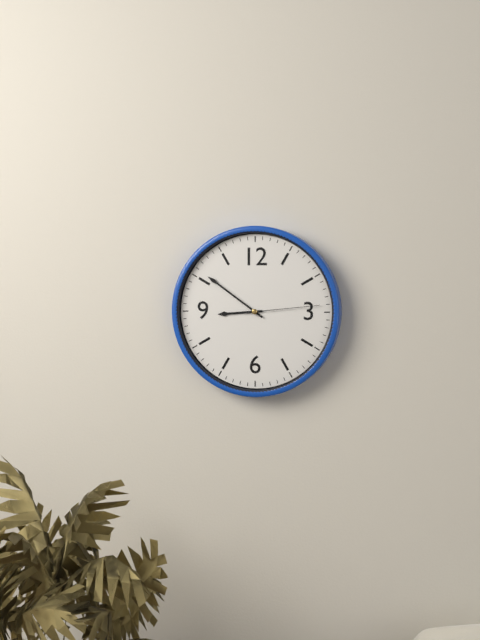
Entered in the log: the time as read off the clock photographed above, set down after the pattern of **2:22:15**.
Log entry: **8:51:14**
